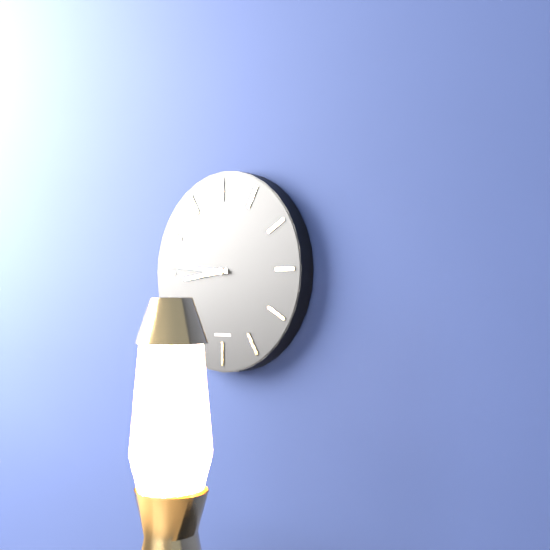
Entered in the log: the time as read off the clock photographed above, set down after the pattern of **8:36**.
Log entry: **8:46**
